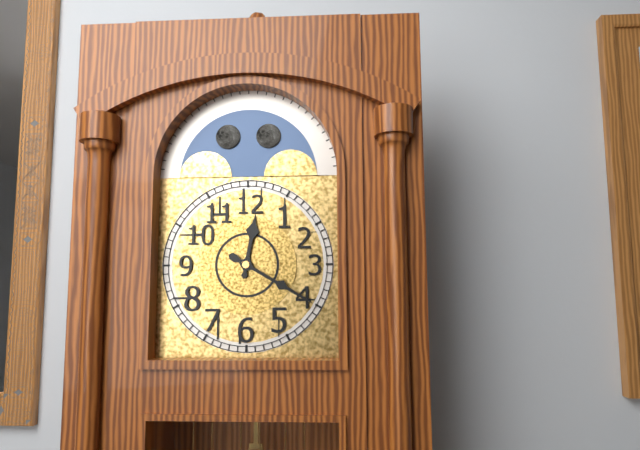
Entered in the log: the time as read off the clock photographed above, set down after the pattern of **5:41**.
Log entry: **12:20**
